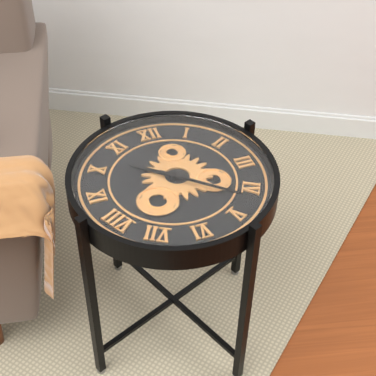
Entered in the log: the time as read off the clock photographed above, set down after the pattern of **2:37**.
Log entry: **10:22**
